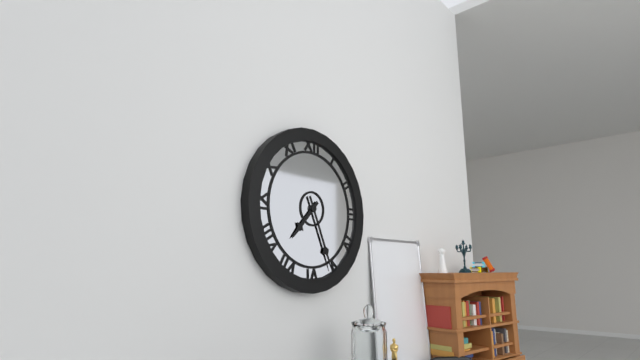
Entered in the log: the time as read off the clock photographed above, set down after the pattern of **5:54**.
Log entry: **7:26**
